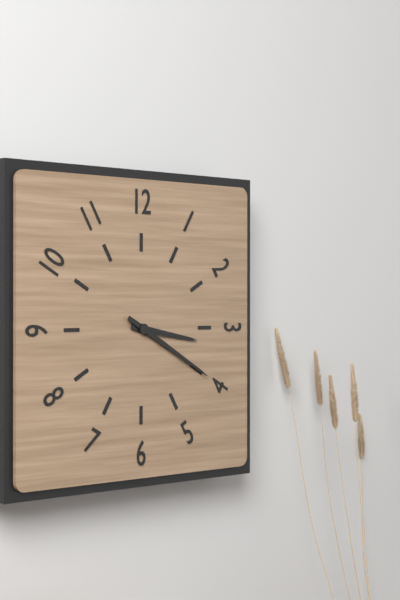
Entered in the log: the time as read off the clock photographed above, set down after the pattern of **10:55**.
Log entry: **3:20**
